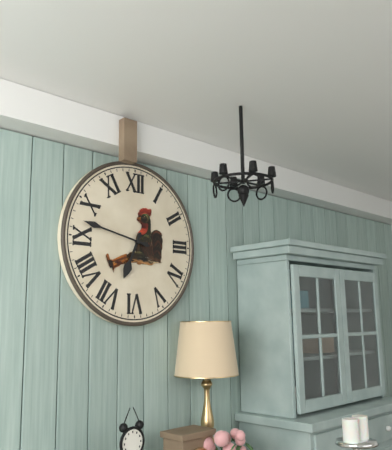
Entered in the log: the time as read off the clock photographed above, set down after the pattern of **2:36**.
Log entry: **6:47**
